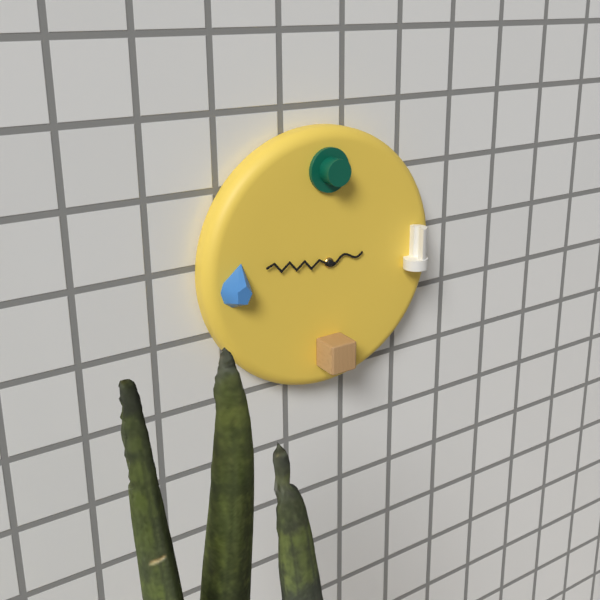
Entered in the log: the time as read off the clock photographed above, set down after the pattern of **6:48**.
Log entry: **2:46**
